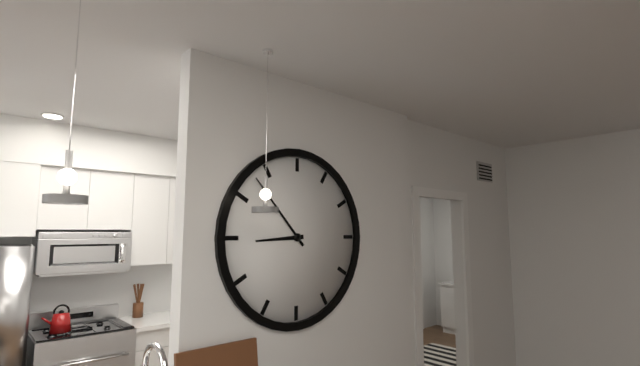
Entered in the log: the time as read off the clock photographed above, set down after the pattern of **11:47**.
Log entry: **8:53**
